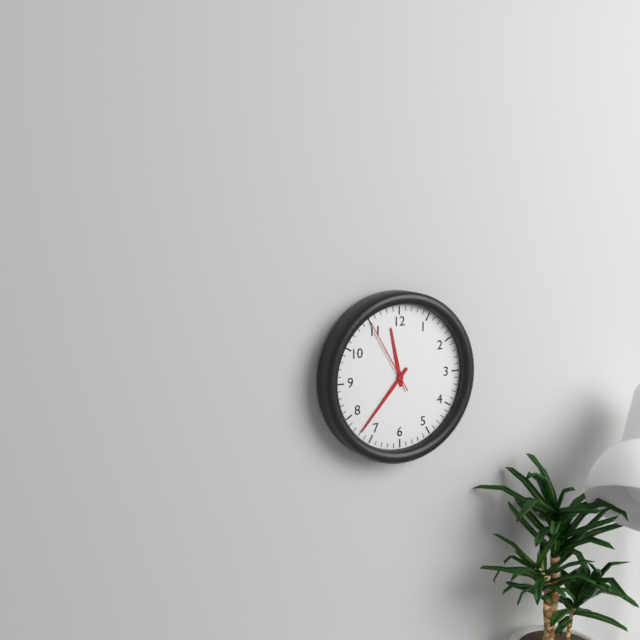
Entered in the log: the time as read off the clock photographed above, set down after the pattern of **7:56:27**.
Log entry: **11:37:55**
